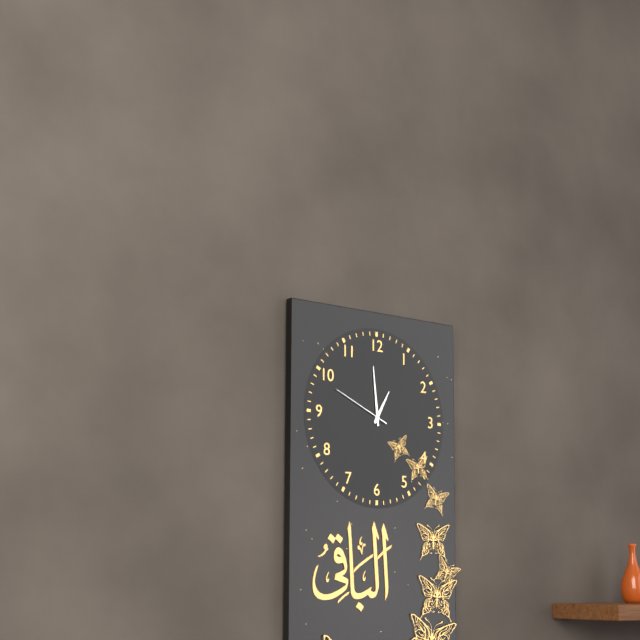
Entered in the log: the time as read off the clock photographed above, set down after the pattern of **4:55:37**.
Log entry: **12:59:49**
